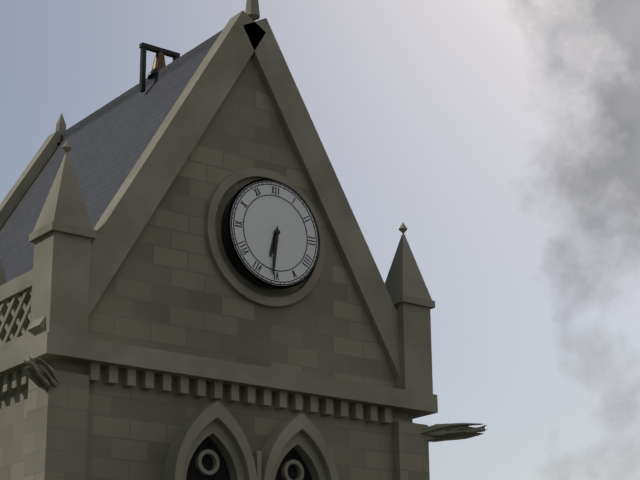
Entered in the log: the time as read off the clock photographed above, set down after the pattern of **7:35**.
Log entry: **6:31**
